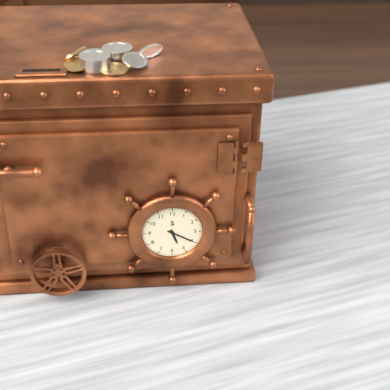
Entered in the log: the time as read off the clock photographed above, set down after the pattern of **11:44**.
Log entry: **5:20**
